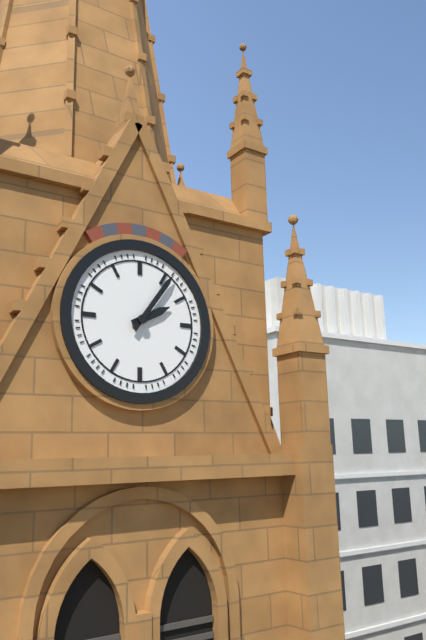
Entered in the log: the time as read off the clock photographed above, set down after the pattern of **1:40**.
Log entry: **2:06**
